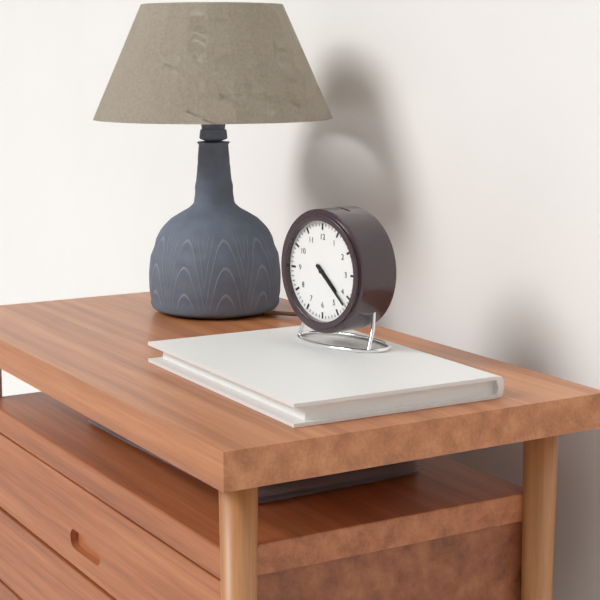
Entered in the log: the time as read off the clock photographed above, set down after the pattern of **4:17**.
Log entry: **4:22**
